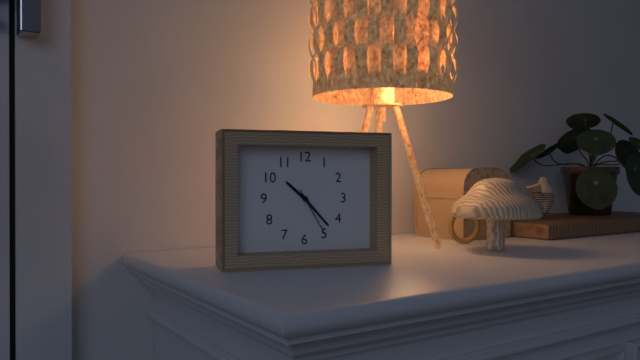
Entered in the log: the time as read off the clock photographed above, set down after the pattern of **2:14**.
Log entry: **10:23**
